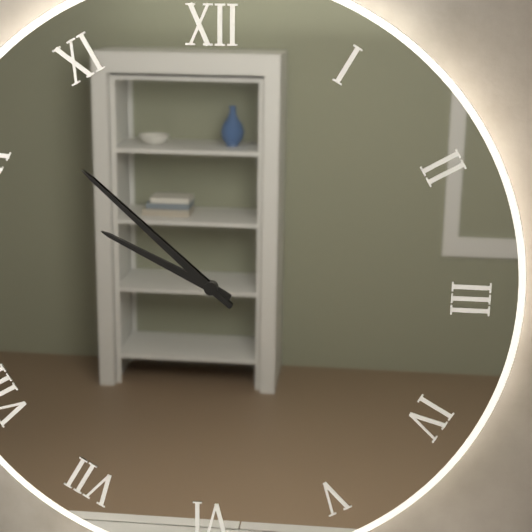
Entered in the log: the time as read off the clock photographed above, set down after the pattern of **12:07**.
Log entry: **9:52**
